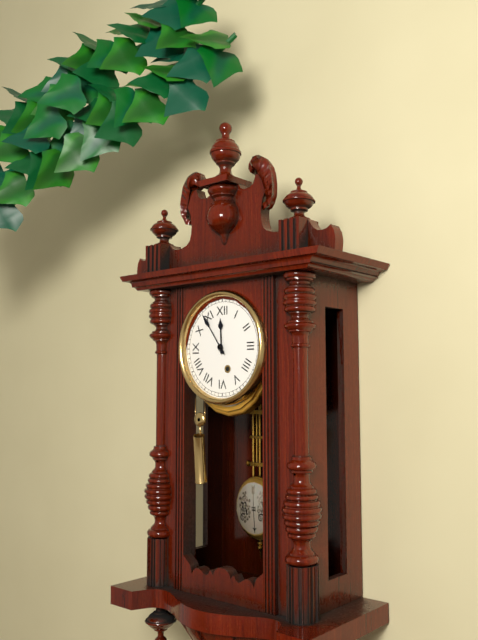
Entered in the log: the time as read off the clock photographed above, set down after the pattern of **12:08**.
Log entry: **11:54**
